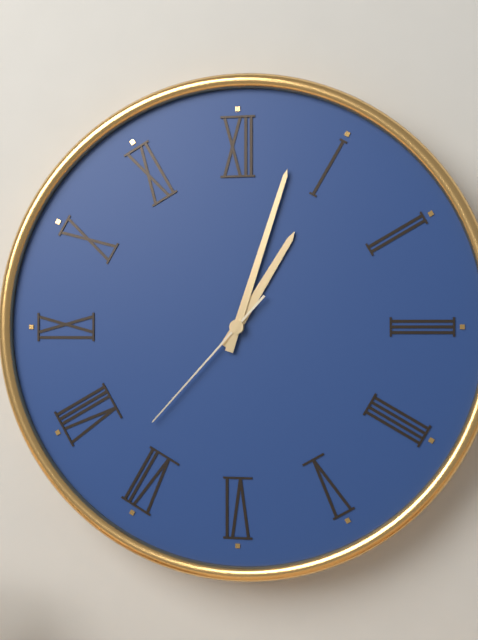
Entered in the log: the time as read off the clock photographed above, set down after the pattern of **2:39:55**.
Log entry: **1:03:37**
